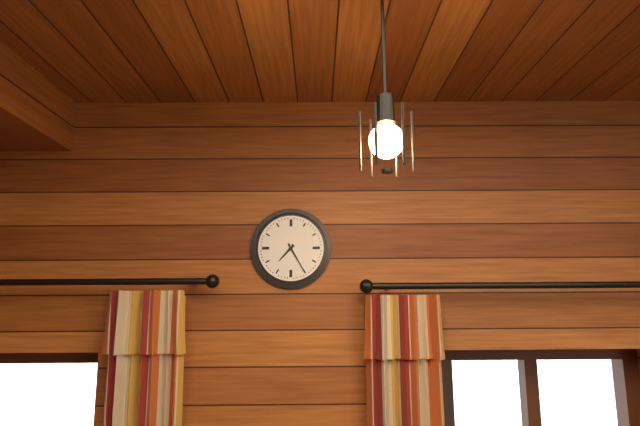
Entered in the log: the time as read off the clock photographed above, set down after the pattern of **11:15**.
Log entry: **7:25**
